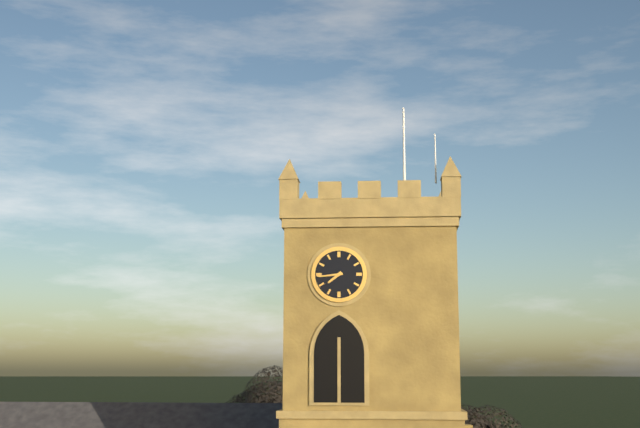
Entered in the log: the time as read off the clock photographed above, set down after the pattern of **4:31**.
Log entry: **7:44**
